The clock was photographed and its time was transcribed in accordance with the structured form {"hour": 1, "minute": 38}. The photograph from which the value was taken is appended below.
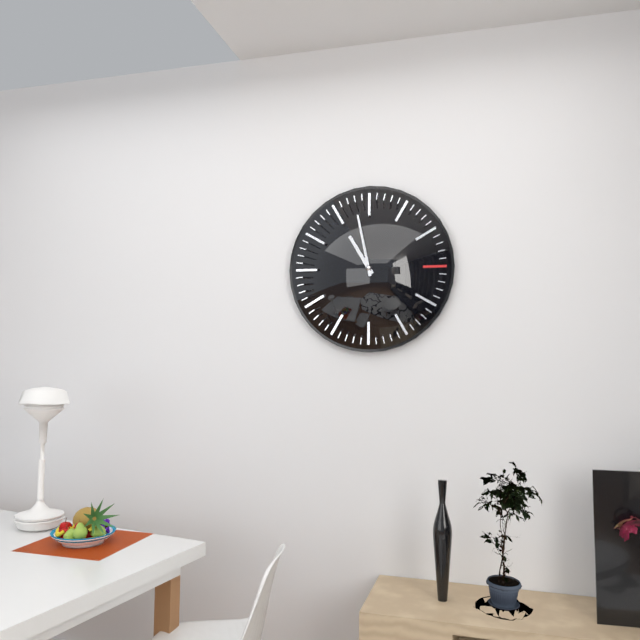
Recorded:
{"hour": 10, "minute": 58}
